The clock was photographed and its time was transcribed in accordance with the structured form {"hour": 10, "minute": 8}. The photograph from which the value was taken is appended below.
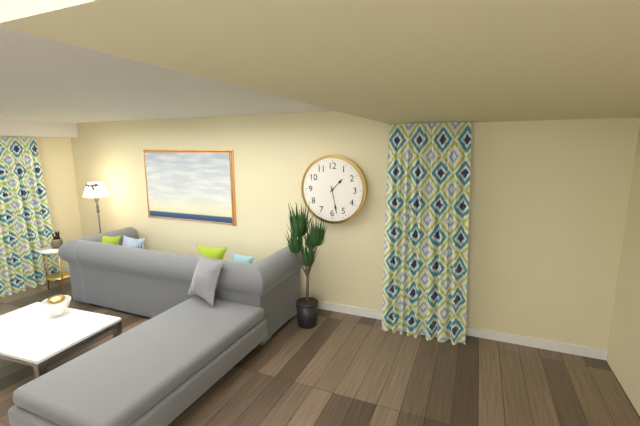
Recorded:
{"hour": 1, "minute": 28}
